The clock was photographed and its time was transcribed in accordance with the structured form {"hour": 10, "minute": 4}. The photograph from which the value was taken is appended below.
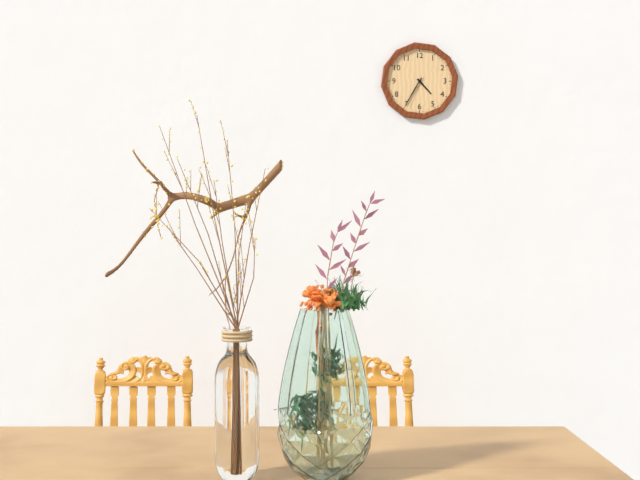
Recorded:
{"hour": 4, "minute": 35}
